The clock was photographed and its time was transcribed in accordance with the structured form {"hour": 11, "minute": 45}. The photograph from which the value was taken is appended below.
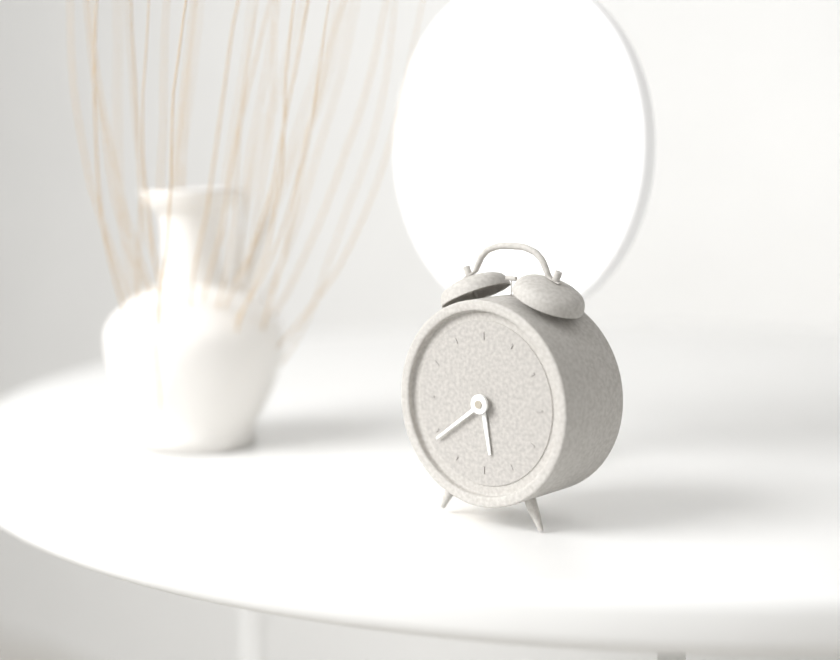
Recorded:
{"hour": 5, "minute": 39}
